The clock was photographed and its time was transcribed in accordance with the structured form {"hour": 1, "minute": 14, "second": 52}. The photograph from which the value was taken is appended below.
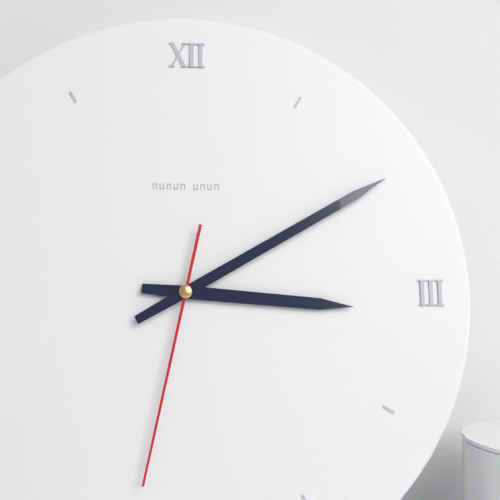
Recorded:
{"hour": 3, "minute": 10, "second": 32}
